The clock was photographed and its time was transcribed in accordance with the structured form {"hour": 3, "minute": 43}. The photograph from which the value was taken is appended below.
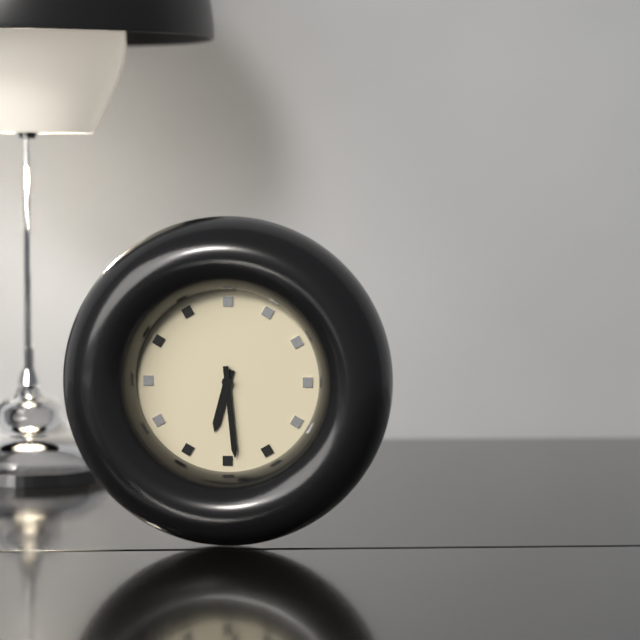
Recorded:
{"hour": 6, "minute": 29}
